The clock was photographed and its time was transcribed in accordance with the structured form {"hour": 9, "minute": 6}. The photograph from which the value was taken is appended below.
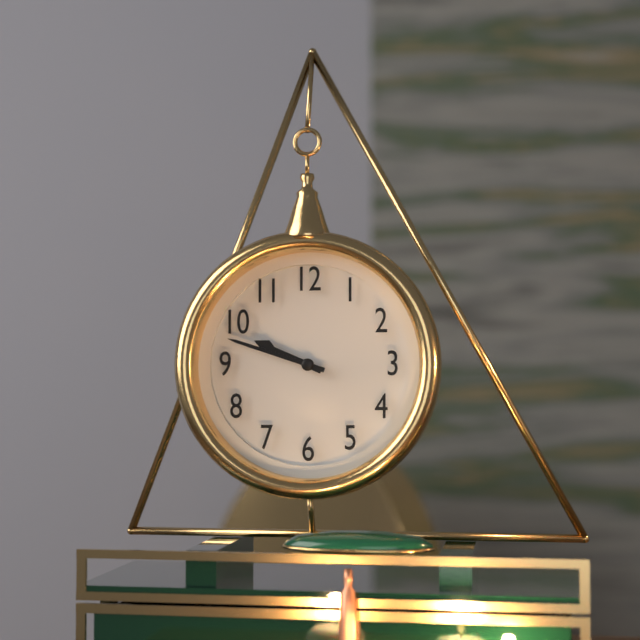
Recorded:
{"hour": 9, "minute": 48}
